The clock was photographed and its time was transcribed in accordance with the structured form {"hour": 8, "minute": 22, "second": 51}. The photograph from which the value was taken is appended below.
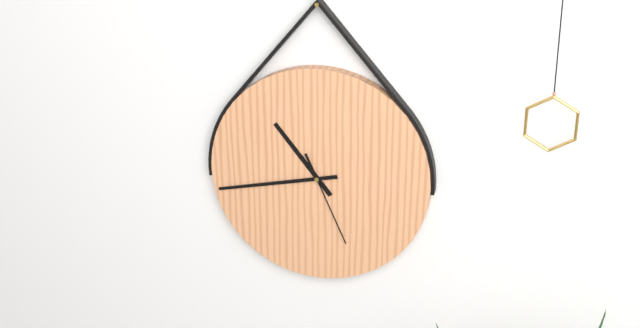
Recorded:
{"hour": 10, "minute": 43, "second": 26}
